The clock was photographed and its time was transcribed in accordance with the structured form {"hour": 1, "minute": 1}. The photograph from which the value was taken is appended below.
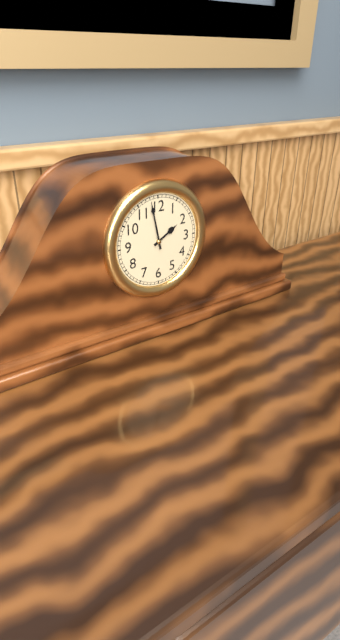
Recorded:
{"hour": 1, "minute": 58}
